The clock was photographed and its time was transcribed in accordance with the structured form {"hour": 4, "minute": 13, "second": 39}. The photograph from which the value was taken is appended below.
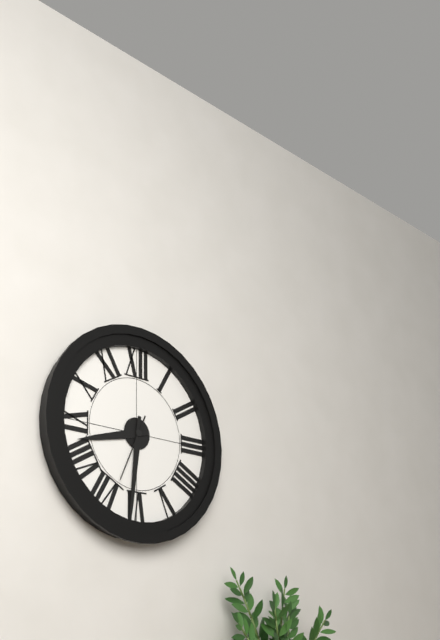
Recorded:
{"hour": 8, "minute": 31, "second": 34}
